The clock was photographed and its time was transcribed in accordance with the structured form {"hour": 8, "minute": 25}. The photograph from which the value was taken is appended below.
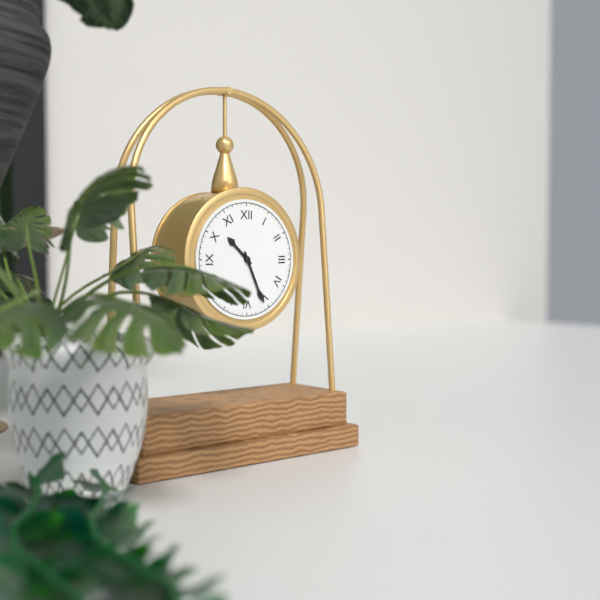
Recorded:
{"hour": 10, "minute": 26}
